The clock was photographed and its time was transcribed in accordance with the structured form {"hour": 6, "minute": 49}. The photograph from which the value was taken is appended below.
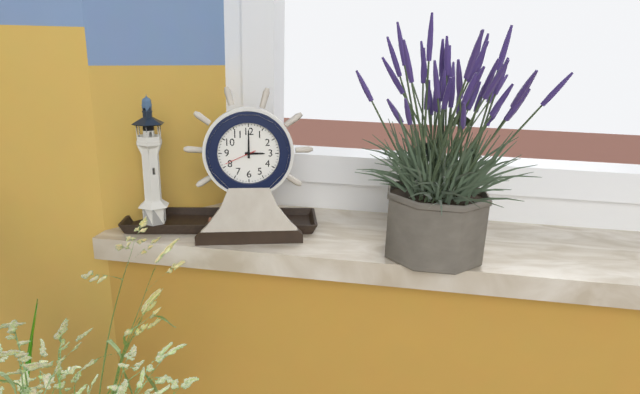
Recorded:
{"hour": 3, "minute": 0}
